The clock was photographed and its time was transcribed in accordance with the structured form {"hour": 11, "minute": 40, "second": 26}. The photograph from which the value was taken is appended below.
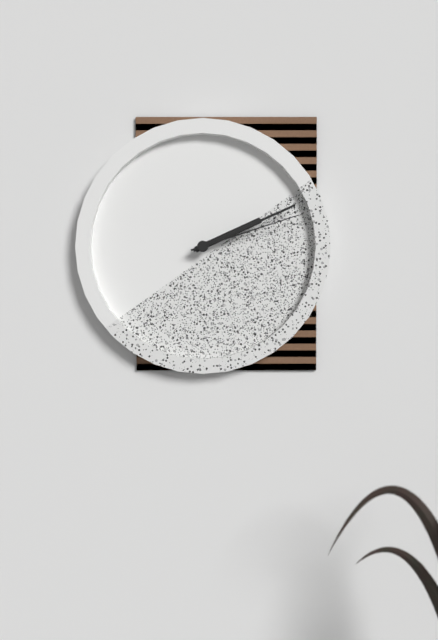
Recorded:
{"hour": 2, "minute": 11, "second": 12}
